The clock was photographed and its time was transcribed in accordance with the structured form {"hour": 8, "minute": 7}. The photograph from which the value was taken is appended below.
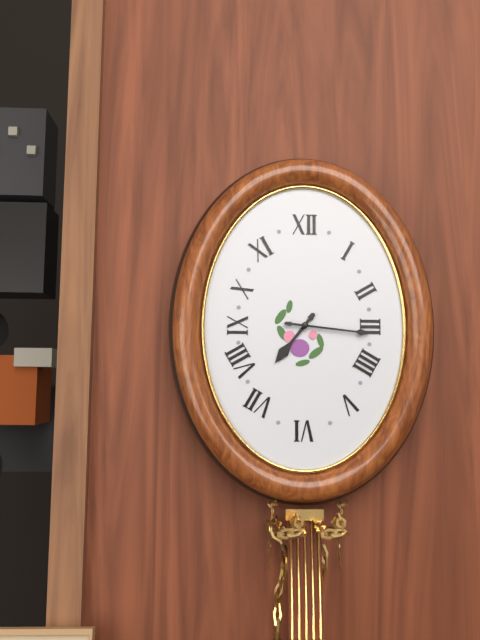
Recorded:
{"hour": 7, "minute": 16}
